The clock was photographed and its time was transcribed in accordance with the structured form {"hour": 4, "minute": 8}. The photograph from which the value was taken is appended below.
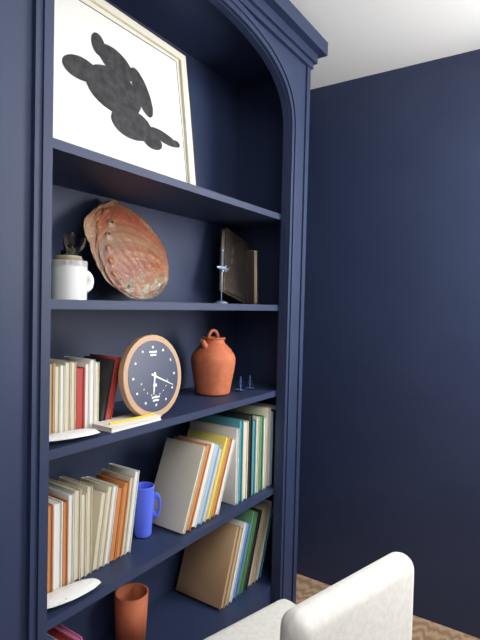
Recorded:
{"hour": 6, "minute": 19}
